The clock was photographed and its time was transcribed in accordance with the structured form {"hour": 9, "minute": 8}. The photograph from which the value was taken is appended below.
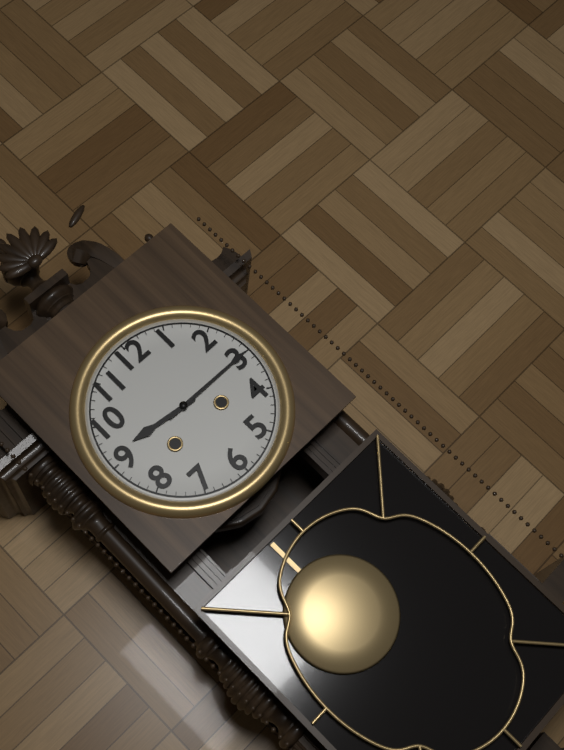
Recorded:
{"hour": 9, "minute": 15}
